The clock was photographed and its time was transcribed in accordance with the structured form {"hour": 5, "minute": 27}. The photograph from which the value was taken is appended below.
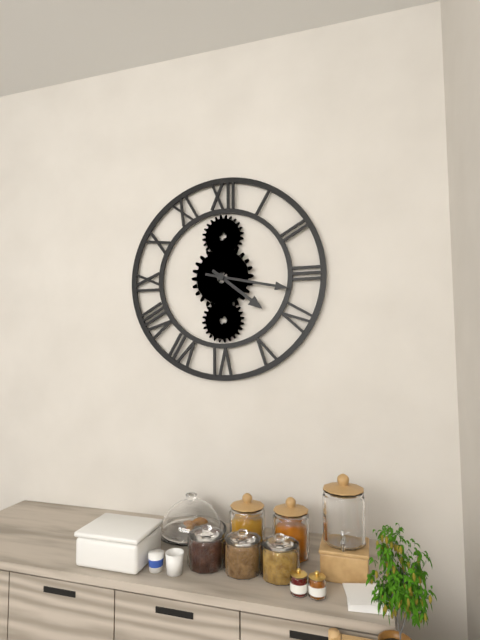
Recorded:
{"hour": 4, "minute": 17}
